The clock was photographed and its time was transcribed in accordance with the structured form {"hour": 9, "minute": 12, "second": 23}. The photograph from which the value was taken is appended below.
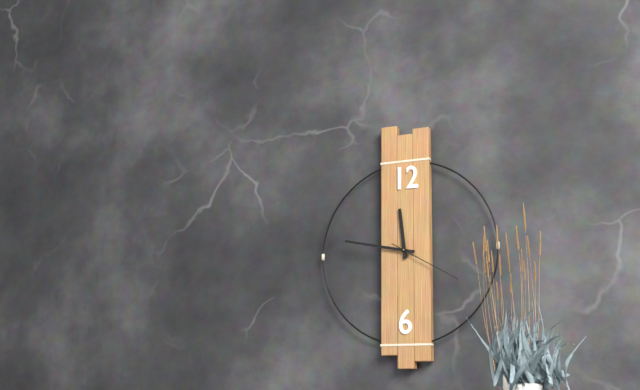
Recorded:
{"hour": 11, "minute": 47, "second": 20}
